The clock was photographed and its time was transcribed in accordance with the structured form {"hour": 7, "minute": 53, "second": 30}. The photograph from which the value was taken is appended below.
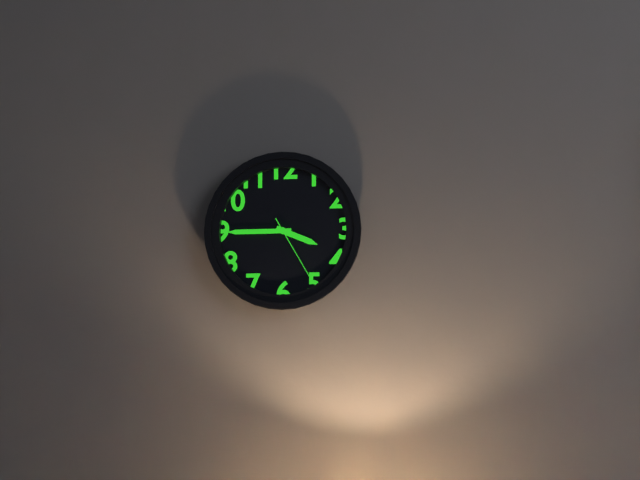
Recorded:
{"hour": 3, "minute": 45, "second": 25}
